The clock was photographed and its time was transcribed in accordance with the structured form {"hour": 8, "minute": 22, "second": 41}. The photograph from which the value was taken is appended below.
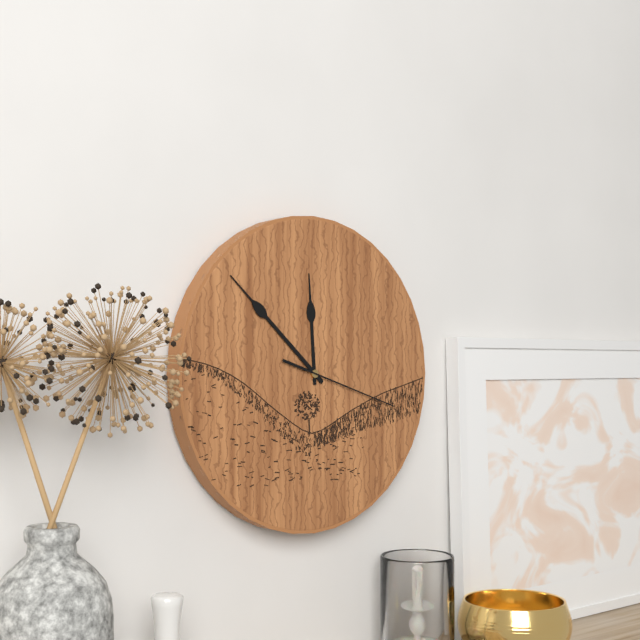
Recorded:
{"hour": 11, "minute": 52, "second": 18}
